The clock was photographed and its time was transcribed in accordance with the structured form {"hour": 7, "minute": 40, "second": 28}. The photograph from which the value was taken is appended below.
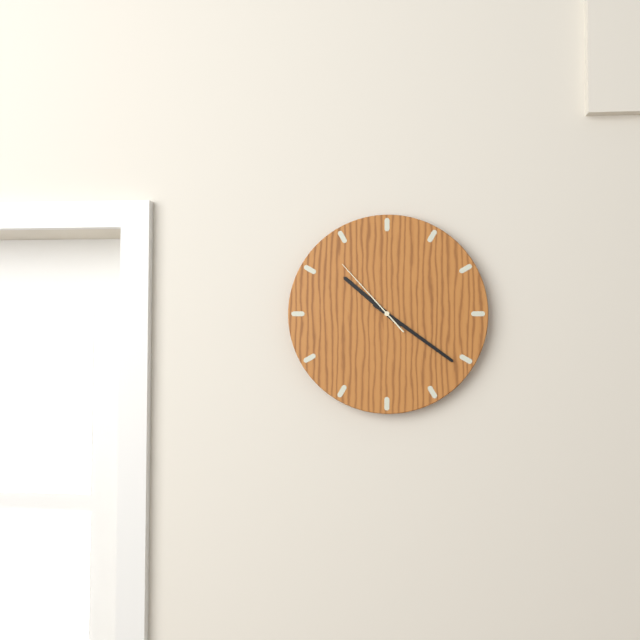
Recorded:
{"hour": 10, "minute": 21, "second": 53}
